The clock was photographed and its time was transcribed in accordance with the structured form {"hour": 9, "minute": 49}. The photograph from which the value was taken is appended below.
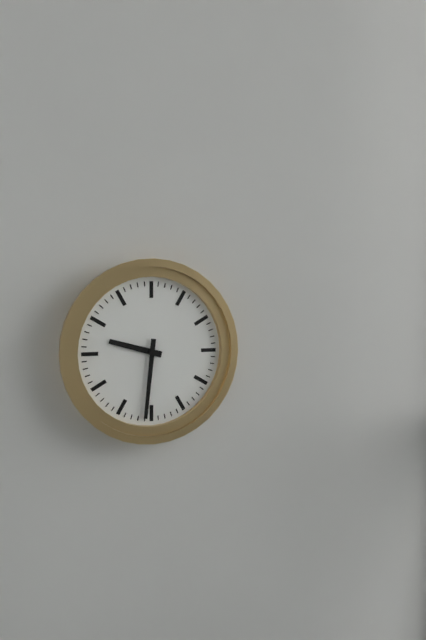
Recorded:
{"hour": 9, "minute": 31}
